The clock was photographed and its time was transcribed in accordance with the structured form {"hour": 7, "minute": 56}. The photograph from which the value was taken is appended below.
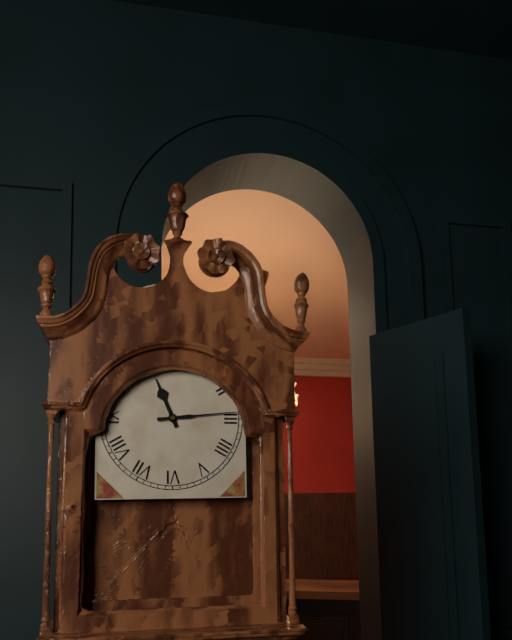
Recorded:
{"hour": 11, "minute": 14}
